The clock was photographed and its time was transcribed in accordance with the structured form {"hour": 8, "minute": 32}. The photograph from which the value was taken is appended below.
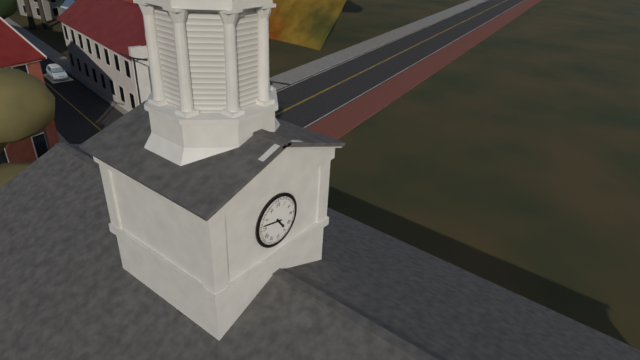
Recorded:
{"hour": 4, "minute": 47}
